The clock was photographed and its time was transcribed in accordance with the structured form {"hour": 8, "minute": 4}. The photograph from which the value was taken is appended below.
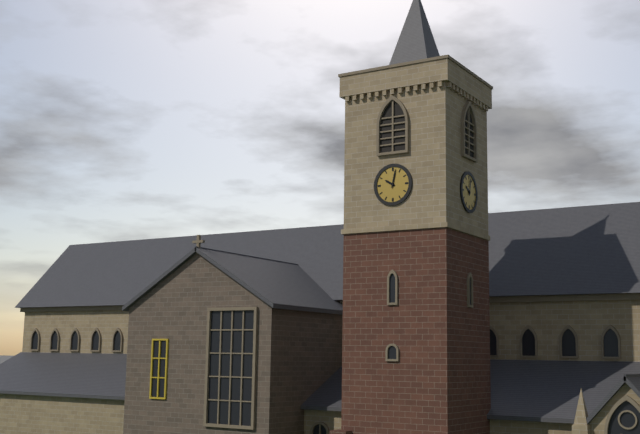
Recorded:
{"hour": 10, "minute": 2}
